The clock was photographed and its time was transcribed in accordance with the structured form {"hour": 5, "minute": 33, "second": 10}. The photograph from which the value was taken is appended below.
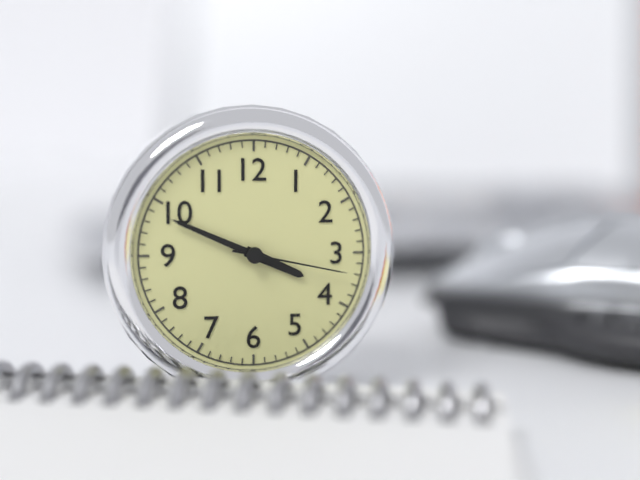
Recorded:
{"hour": 3, "minute": 49, "second": 17}
